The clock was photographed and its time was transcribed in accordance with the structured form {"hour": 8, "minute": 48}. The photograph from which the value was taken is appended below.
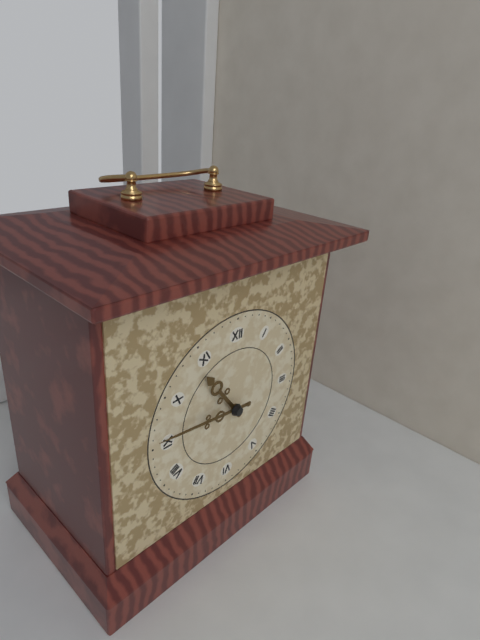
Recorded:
{"hour": 10, "minute": 46}
